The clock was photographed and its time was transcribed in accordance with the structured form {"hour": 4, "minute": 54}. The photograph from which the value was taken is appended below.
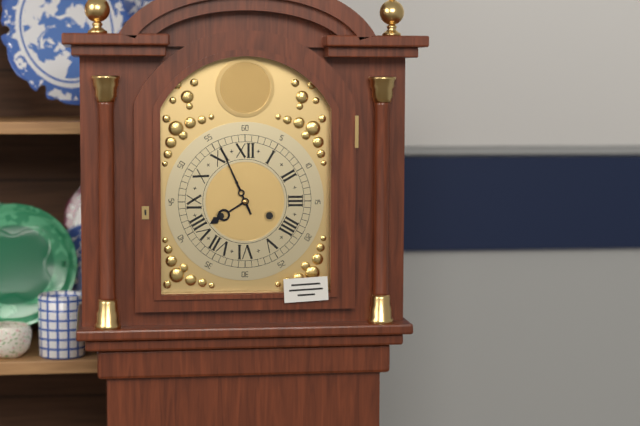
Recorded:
{"hour": 7, "minute": 56}
